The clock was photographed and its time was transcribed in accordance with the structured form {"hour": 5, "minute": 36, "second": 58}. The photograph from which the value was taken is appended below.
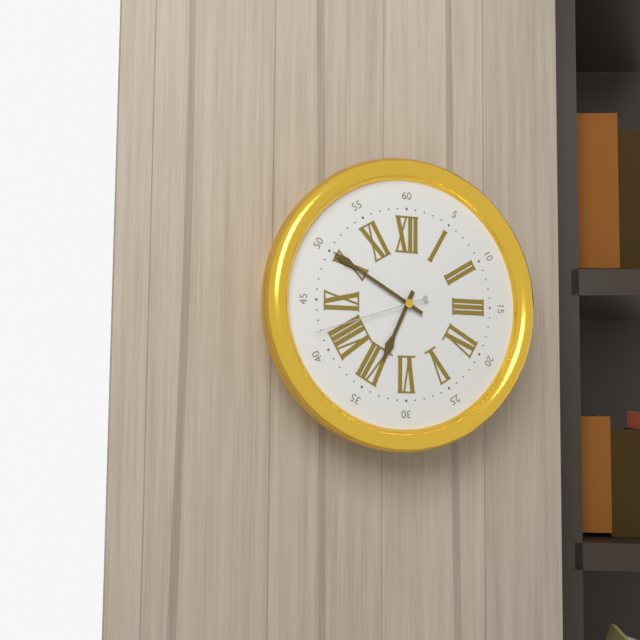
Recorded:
{"hour": 6, "minute": 50, "second": 42}
